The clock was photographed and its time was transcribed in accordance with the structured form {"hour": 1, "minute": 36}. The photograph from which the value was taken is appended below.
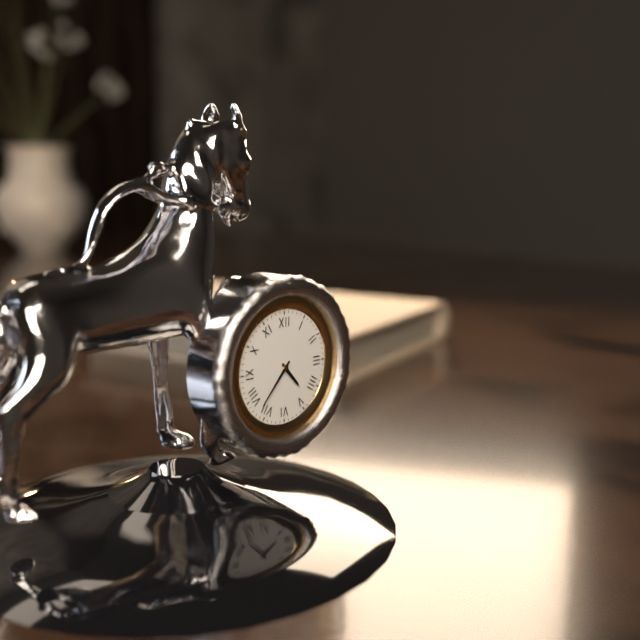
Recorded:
{"hour": 4, "minute": 37}
